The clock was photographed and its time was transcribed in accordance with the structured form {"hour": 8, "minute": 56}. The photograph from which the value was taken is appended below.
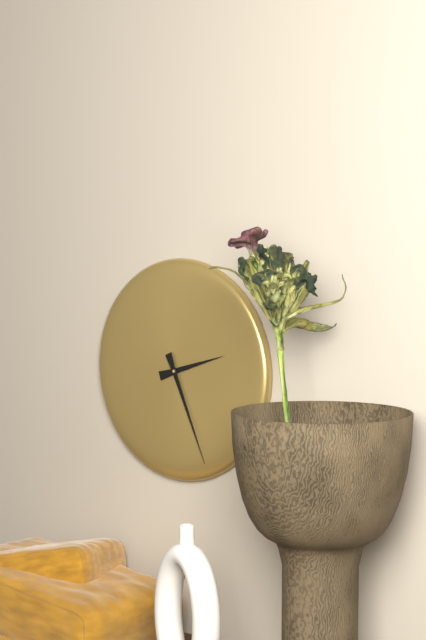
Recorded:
{"hour": 2, "minute": 26}
